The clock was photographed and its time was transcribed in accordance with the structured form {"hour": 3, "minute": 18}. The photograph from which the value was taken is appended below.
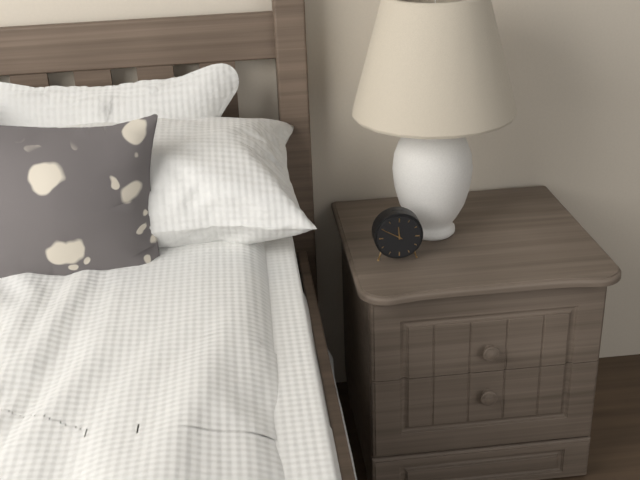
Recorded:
{"hour": 11, "minute": 50}
